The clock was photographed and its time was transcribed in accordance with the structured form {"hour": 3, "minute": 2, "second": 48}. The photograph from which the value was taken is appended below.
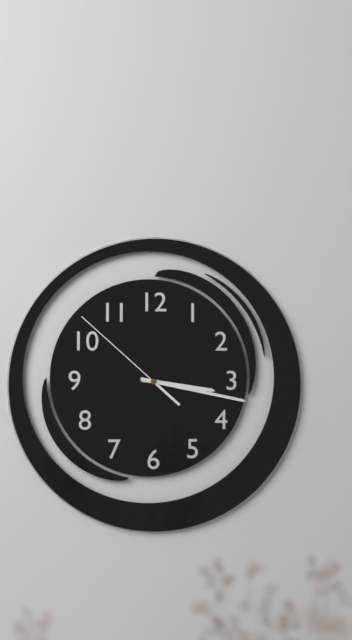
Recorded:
{"hour": 3, "minute": 17, "second": 52}
